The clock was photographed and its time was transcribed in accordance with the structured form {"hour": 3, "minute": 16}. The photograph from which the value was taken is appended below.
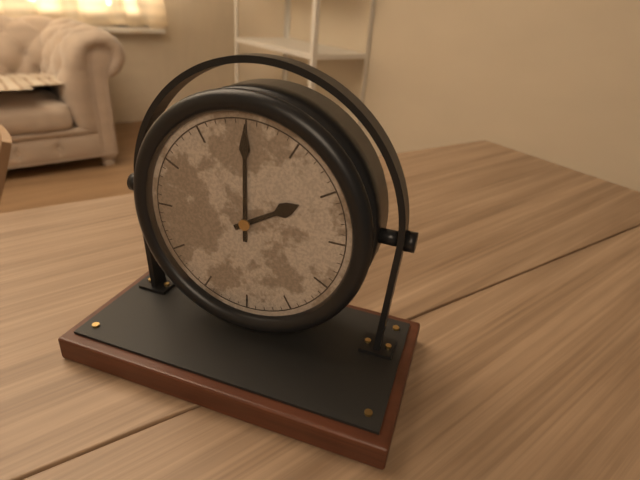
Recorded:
{"hour": 2, "minute": 0}
